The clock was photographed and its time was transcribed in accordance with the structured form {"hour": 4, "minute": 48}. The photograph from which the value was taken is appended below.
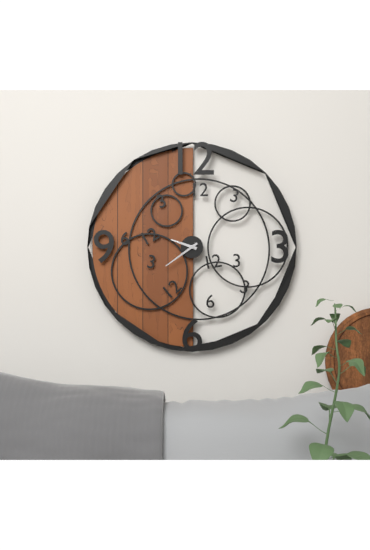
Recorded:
{"hour": 9, "minute": 39}
